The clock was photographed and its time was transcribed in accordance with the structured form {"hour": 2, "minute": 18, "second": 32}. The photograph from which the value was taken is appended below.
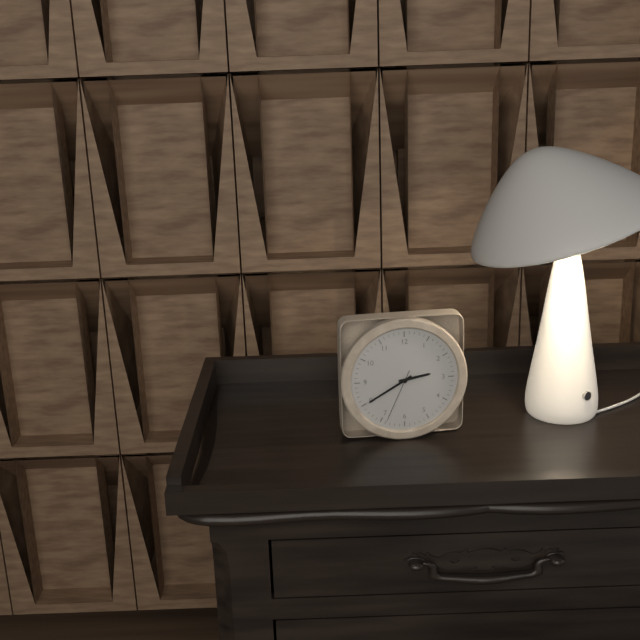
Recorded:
{"hour": 2, "minute": 40, "second": 34}
